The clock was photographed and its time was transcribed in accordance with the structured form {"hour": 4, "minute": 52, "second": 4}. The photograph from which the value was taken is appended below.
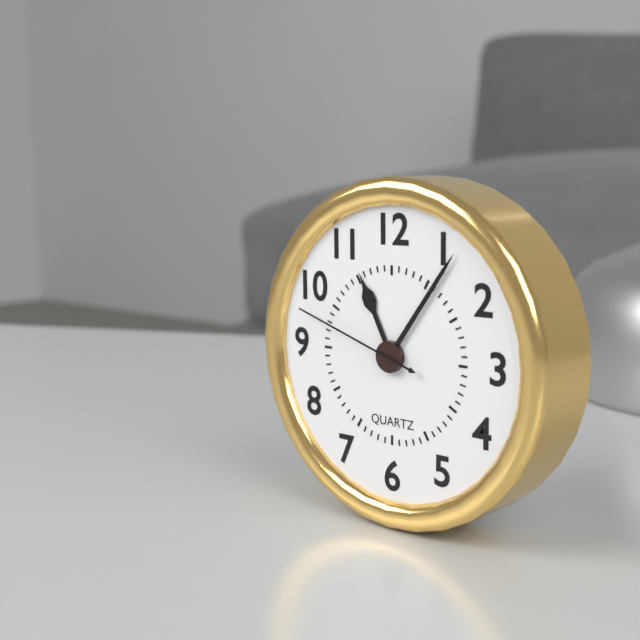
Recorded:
{"hour": 11, "minute": 6, "second": 48}
